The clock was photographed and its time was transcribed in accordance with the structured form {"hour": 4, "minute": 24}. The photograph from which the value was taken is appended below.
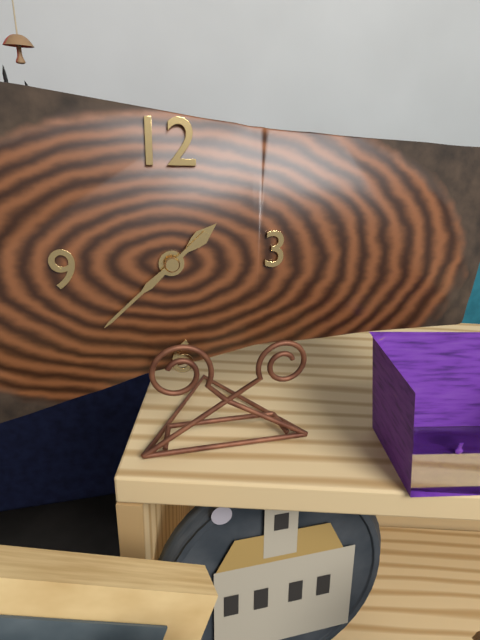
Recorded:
{"hour": 1, "minute": 38}
